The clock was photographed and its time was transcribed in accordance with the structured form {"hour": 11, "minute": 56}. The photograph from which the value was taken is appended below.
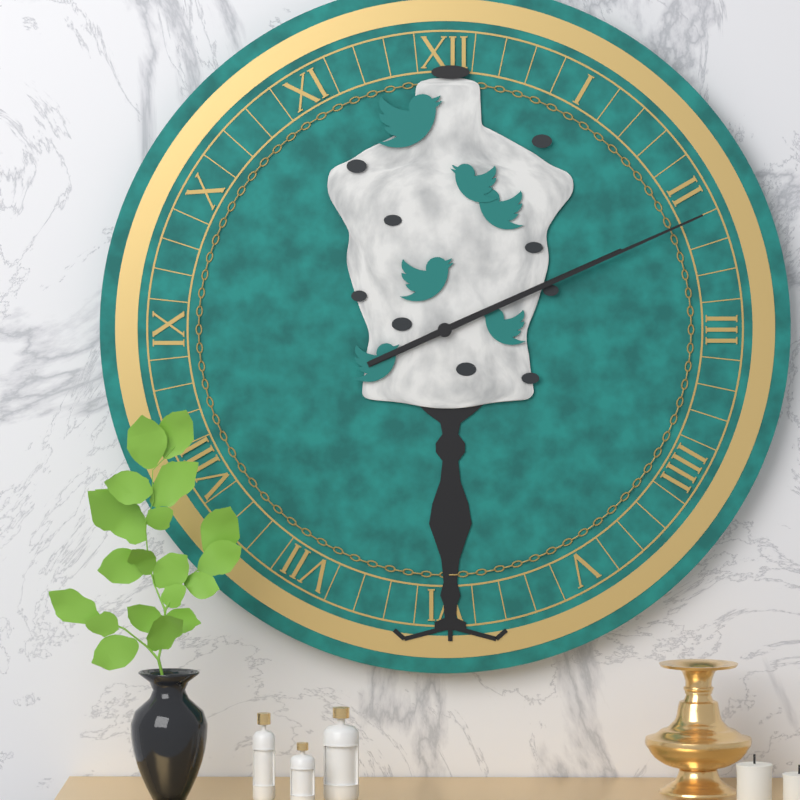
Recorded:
{"hour": 2, "minute": 11}
